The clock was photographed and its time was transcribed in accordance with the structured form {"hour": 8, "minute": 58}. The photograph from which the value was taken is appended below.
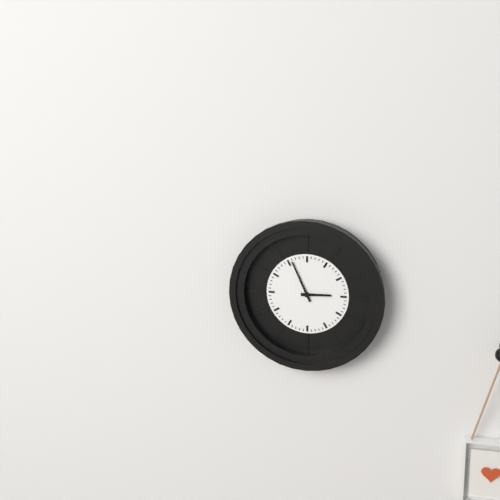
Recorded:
{"hour": 2, "minute": 56}
